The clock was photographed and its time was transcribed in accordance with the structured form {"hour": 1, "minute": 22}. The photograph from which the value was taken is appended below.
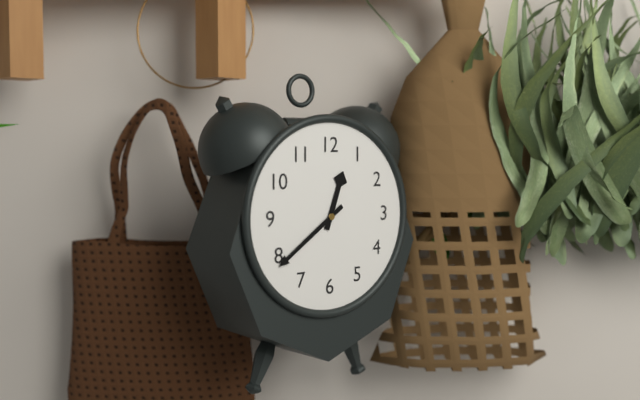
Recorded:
{"hour": 12, "minute": 39}
